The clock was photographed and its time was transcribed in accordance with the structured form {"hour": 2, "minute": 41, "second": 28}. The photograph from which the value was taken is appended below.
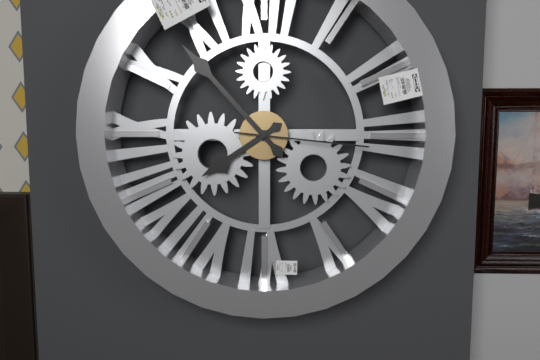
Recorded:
{"hour": 7, "minute": 53, "second": 16}
